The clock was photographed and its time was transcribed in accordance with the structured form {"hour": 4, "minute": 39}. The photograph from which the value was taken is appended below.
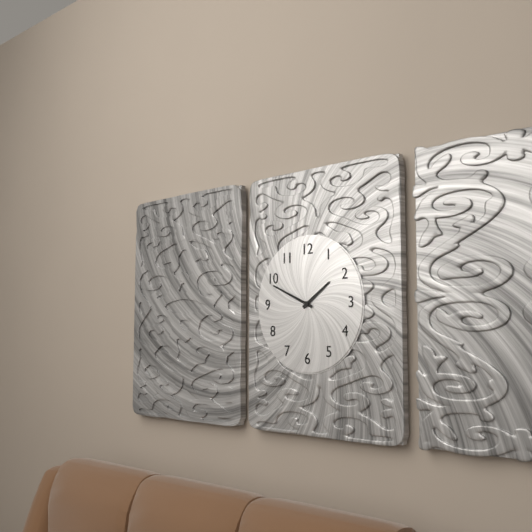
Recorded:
{"hour": 1, "minute": 49}
